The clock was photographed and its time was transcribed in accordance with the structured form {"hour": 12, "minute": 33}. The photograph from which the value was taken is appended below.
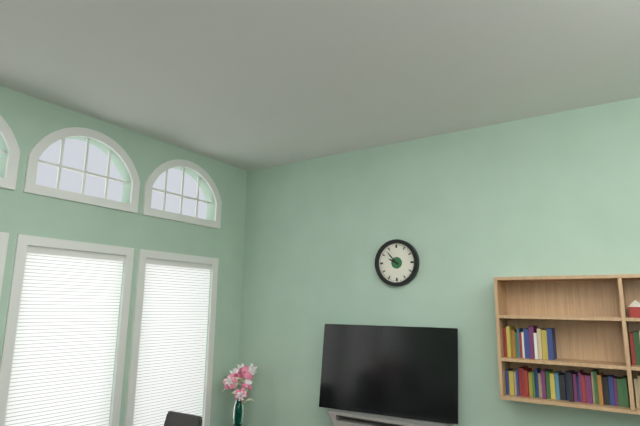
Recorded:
{"hour": 9, "minute": 53}
